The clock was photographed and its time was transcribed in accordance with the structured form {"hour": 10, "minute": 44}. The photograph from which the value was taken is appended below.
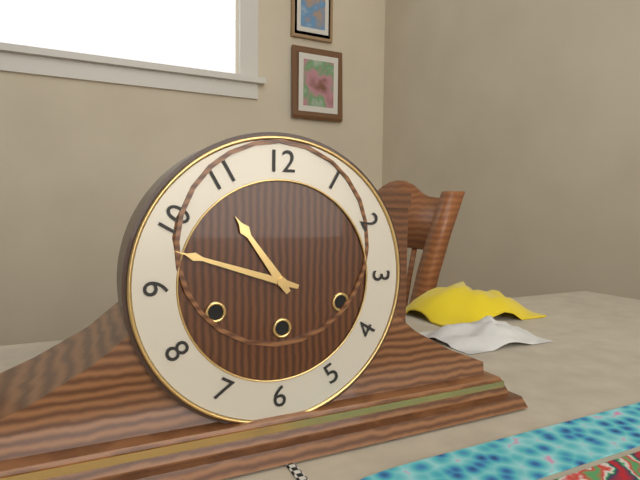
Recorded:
{"hour": 10, "minute": 48}
